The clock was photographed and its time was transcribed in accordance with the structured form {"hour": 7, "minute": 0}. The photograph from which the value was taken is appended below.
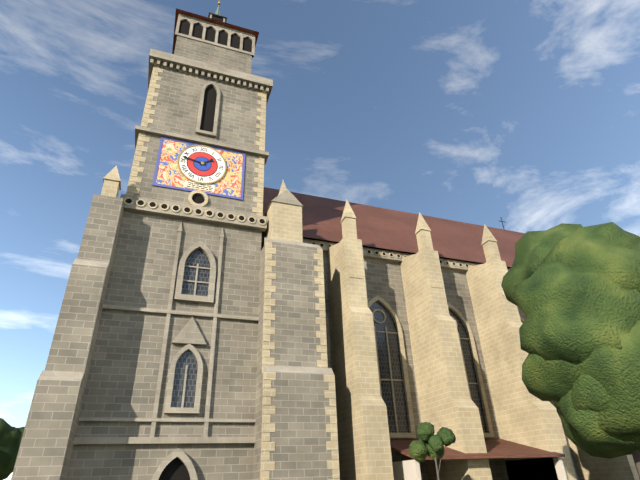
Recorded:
{"hour": 1, "minute": 47}
